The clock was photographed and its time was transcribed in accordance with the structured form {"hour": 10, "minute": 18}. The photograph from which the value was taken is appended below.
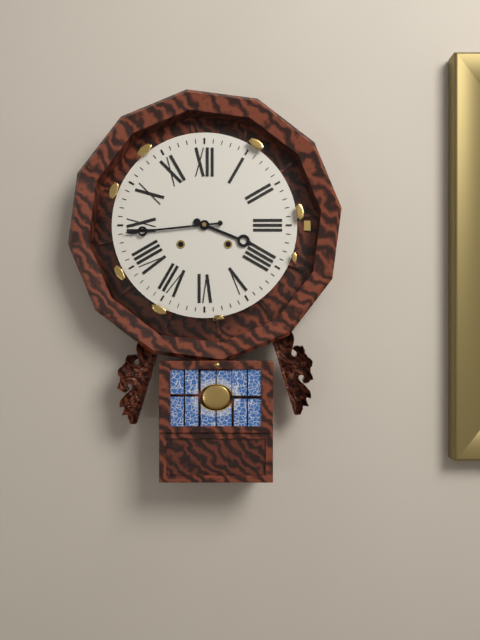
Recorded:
{"hour": 3, "minute": 44}
